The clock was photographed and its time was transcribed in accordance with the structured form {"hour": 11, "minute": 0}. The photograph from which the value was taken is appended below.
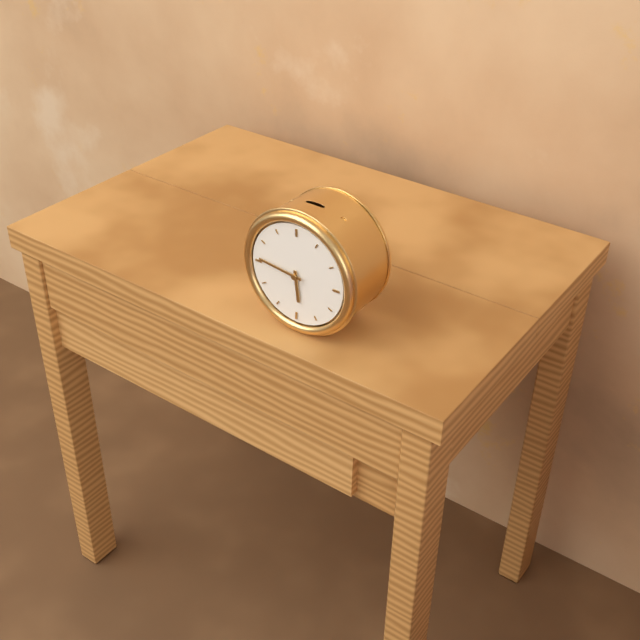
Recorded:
{"hour": 5, "minute": 46}
